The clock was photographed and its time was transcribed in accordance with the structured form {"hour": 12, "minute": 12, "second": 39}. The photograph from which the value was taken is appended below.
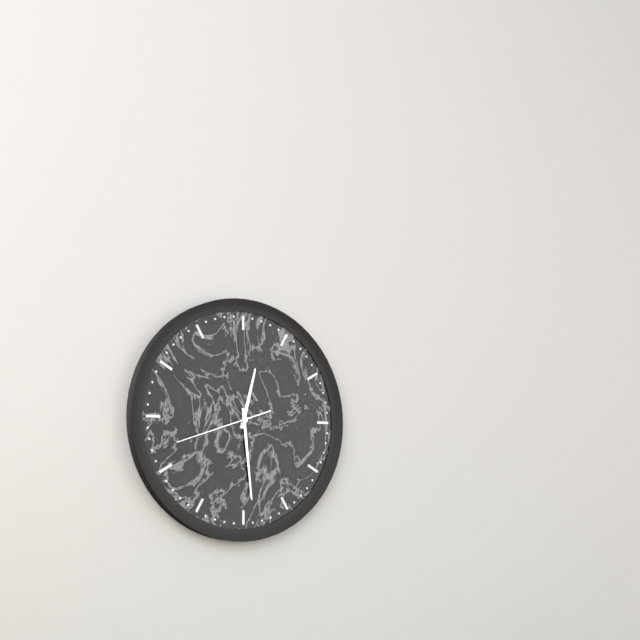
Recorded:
{"hour": 12, "minute": 29, "second": 42}
